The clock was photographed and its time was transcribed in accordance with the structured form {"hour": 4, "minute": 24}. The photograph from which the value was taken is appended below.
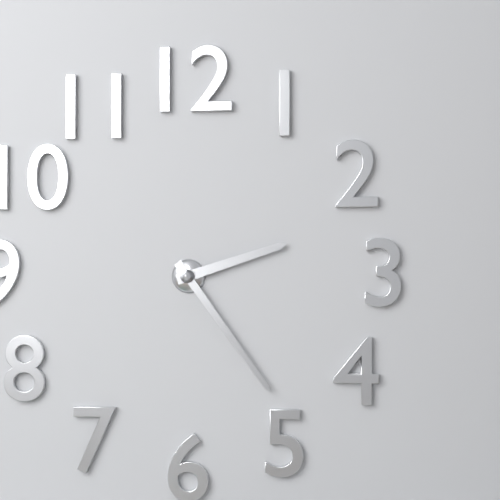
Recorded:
{"hour": 2, "minute": 24}
